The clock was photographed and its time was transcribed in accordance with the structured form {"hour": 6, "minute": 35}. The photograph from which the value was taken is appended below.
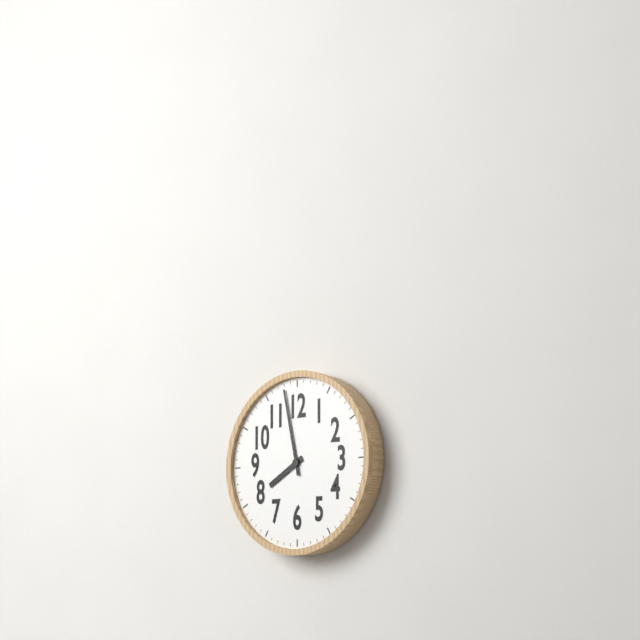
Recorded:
{"hour": 7, "minute": 58}
